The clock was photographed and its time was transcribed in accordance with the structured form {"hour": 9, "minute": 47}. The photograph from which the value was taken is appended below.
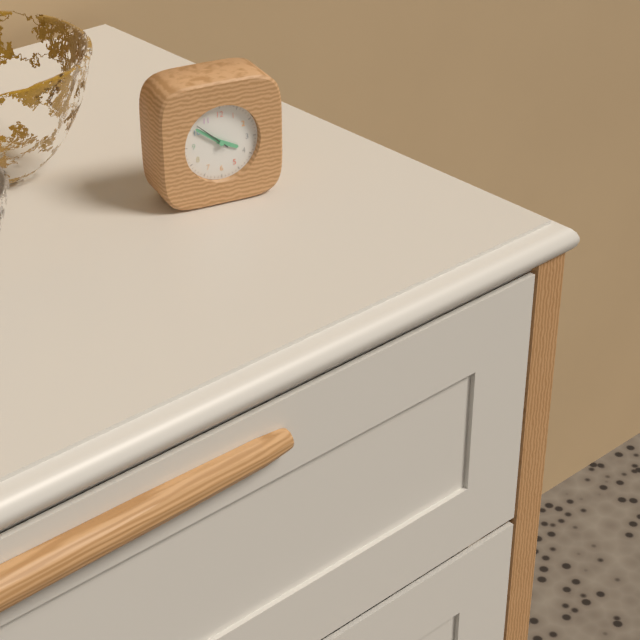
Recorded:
{"hour": 3, "minute": 51}
